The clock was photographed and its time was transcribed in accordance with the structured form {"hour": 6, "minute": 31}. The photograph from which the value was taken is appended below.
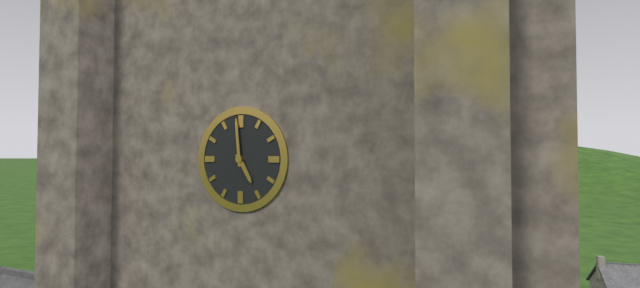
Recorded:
{"hour": 4, "minute": 59}
